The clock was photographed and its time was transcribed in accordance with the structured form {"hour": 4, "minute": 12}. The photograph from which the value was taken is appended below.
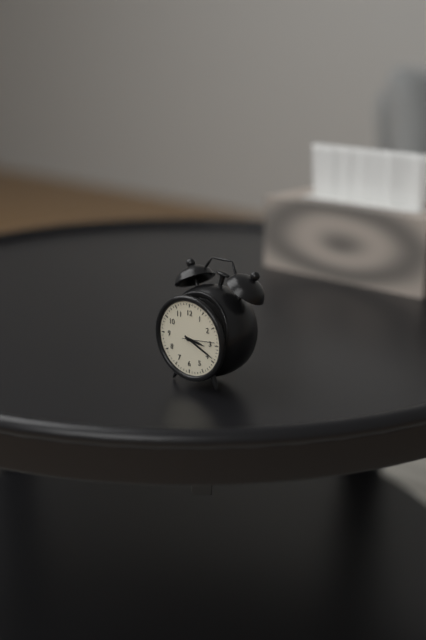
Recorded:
{"hour": 3, "minute": 19}
